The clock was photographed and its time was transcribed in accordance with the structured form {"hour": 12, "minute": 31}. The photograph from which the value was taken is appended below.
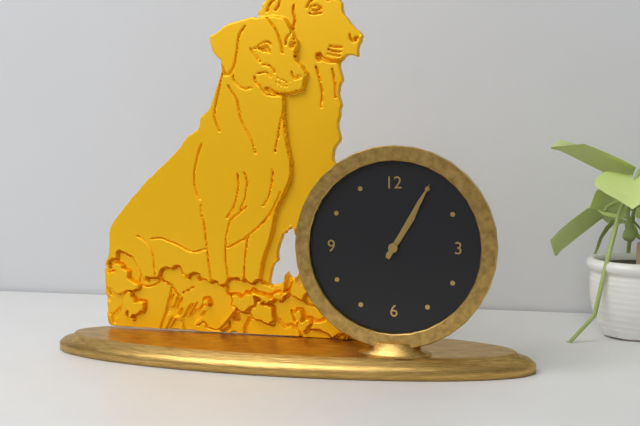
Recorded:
{"hour": 1, "minute": 5}
